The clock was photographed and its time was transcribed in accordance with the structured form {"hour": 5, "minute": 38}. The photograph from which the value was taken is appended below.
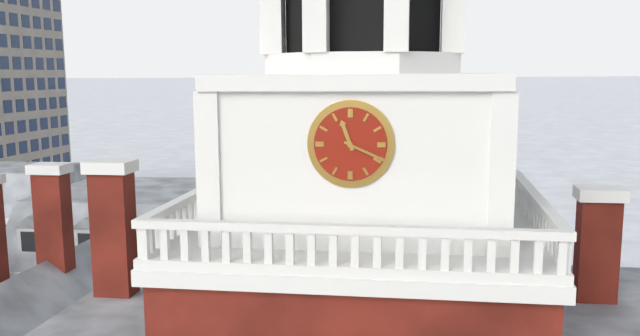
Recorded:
{"hour": 11, "minute": 19}
